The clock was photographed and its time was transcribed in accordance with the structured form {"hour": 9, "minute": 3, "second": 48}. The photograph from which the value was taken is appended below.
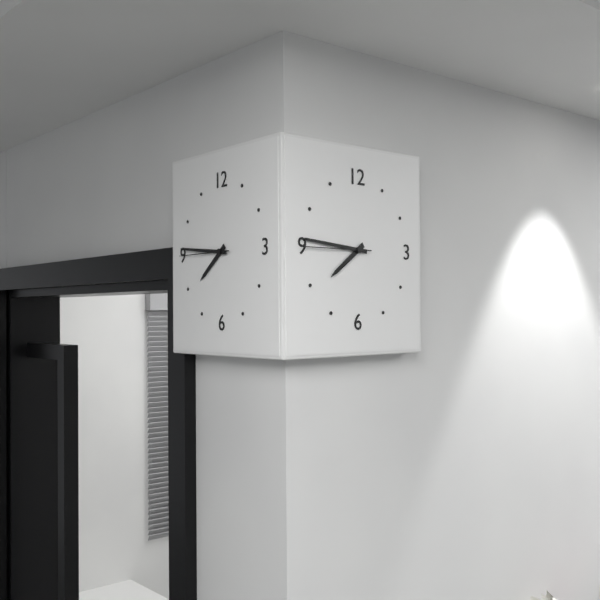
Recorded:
{"hour": 7, "minute": 46, "second": 45}
